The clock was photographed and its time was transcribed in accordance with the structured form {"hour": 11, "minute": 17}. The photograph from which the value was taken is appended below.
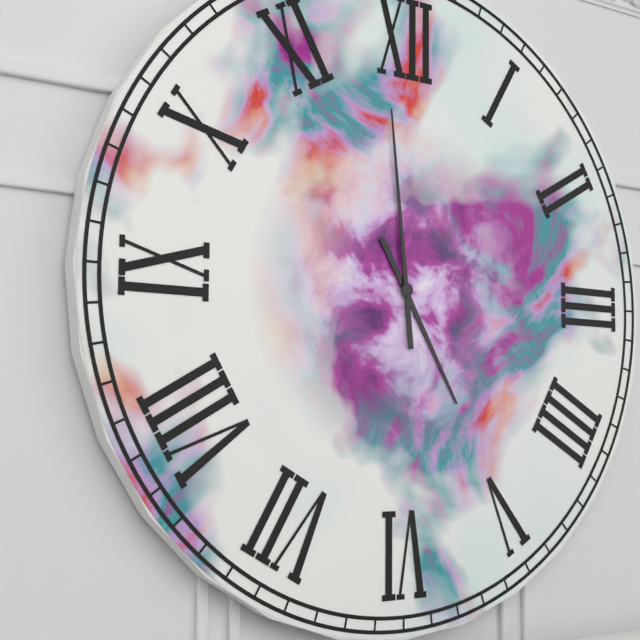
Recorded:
{"hour": 4, "minute": 59}
